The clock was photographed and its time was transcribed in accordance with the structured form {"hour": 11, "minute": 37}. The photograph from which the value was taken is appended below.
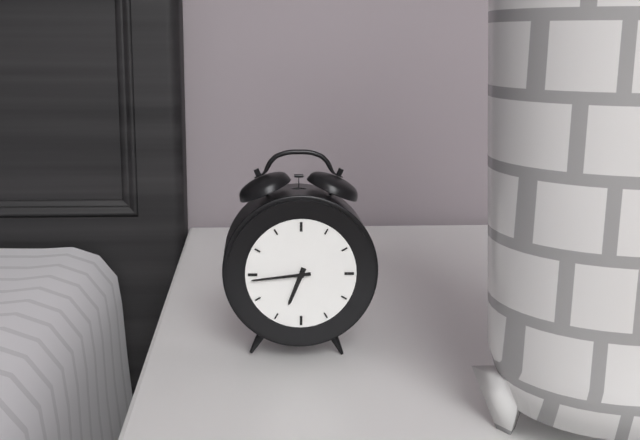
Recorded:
{"hour": 6, "minute": 44}
